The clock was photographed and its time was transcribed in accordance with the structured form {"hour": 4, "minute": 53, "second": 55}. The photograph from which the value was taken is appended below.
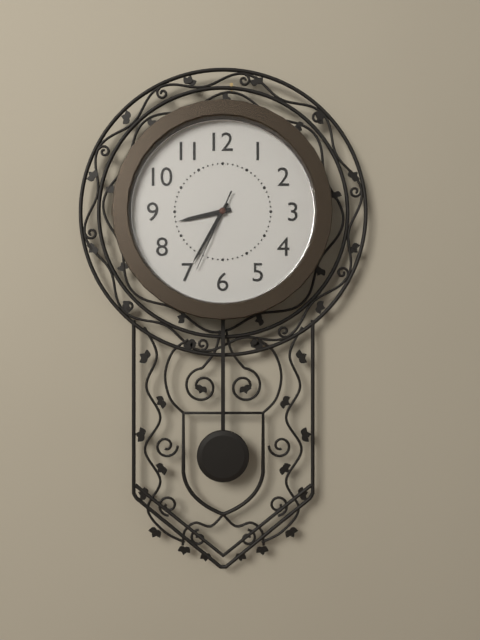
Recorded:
{"hour": 8, "minute": 35, "second": 34}
